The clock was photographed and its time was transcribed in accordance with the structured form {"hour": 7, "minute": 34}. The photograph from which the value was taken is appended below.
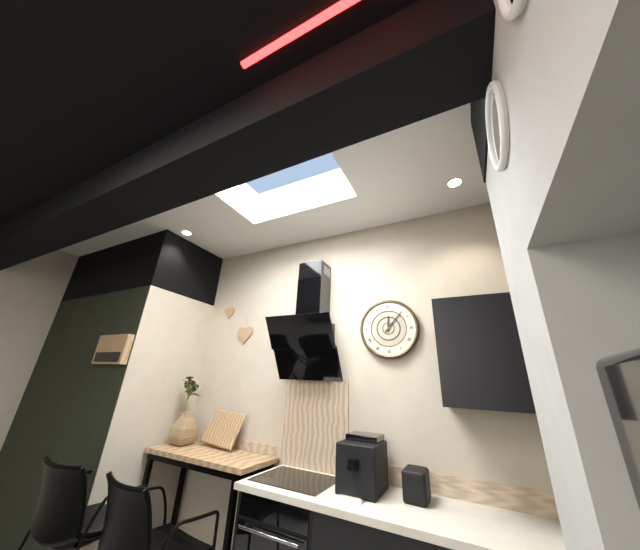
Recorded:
{"hour": 12, "minute": 7}
